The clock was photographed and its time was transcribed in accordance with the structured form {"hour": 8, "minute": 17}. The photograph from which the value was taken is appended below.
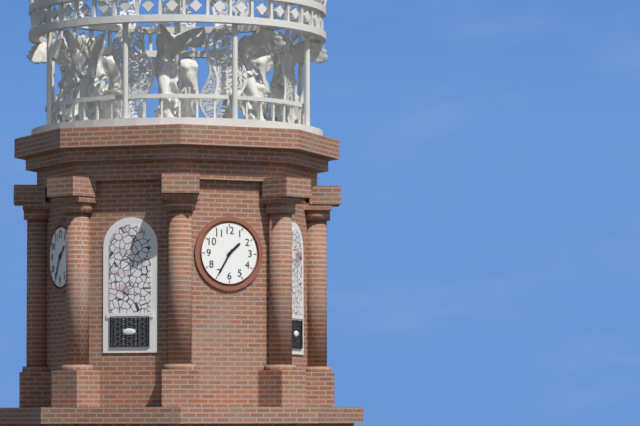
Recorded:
{"hour": 1, "minute": 35}
